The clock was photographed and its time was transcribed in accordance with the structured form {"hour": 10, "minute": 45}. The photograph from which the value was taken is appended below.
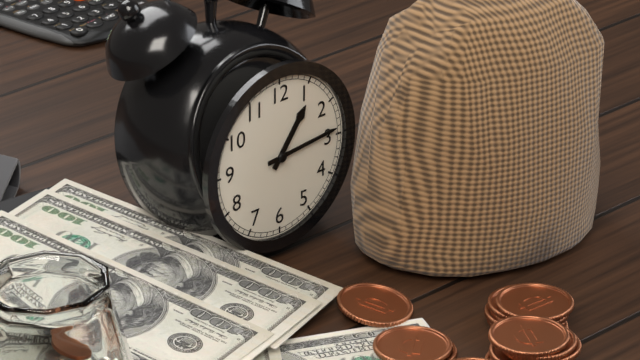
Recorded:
{"hour": 1, "minute": 14}
